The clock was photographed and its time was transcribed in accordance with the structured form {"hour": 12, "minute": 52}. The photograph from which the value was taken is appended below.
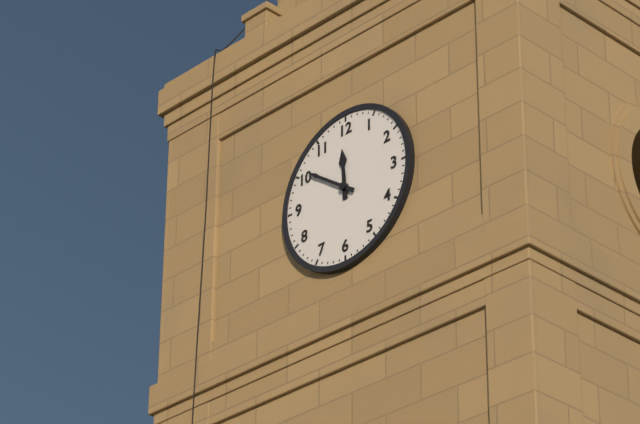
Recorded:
{"hour": 11, "minute": 51}
